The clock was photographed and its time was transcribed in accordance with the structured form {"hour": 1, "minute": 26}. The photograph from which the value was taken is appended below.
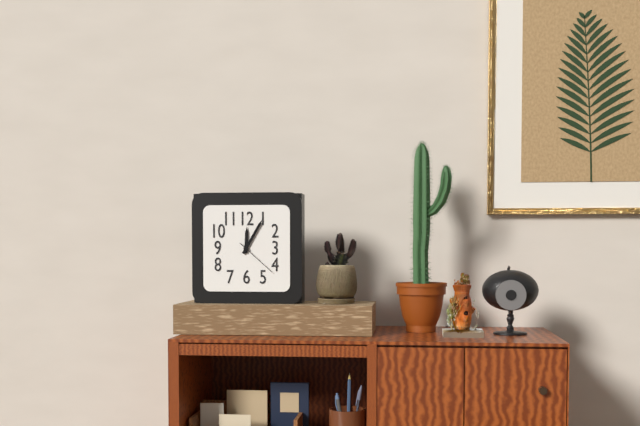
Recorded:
{"hour": 12, "minute": 5}
